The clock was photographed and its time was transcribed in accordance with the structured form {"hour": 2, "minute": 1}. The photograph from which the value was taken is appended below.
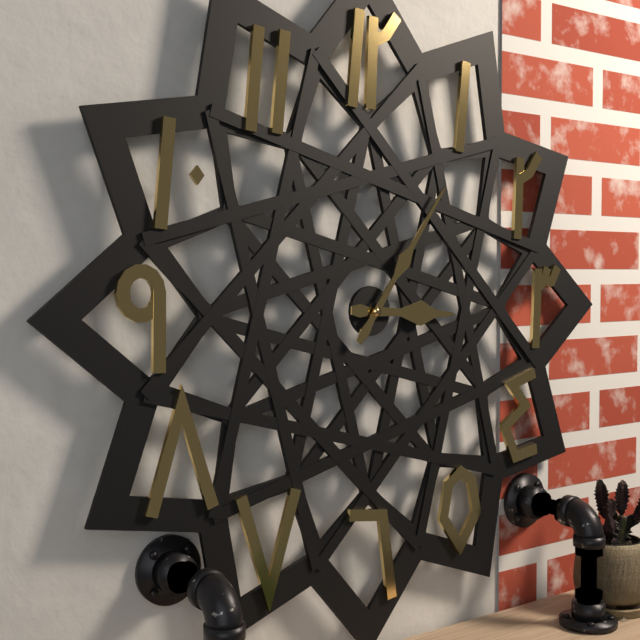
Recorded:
{"hour": 3, "minute": 6}
